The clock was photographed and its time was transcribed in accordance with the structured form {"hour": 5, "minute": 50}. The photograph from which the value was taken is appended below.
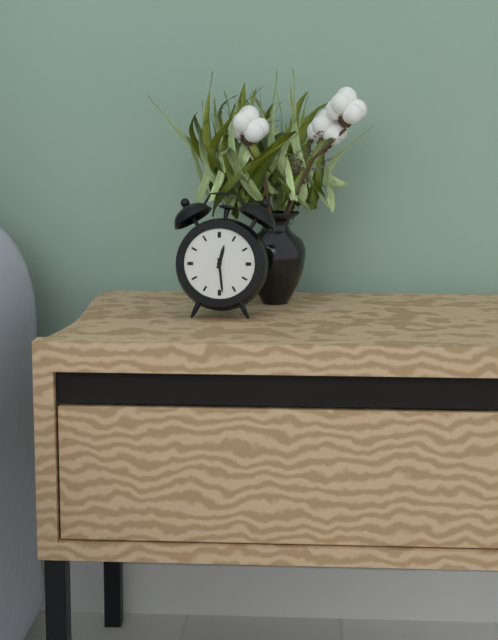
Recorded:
{"hour": 12, "minute": 29}
